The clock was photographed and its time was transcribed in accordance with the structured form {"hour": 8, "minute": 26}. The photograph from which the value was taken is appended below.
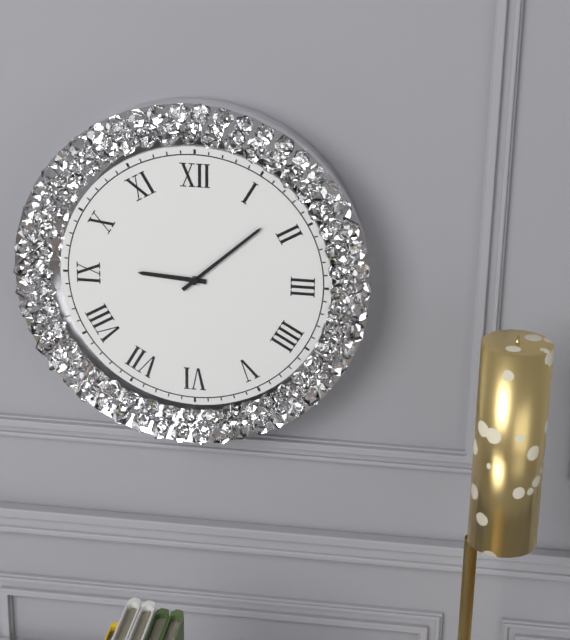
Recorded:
{"hour": 9, "minute": 8}
